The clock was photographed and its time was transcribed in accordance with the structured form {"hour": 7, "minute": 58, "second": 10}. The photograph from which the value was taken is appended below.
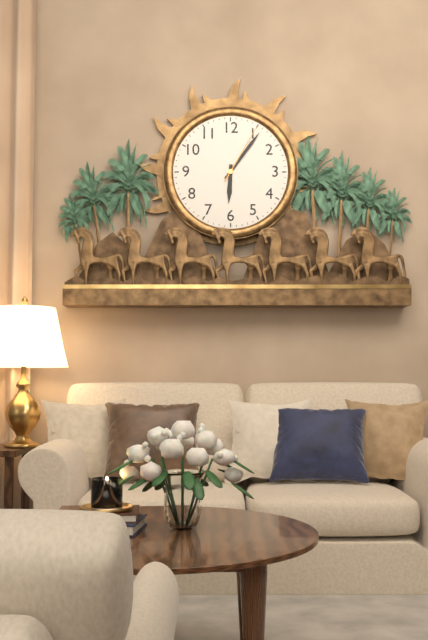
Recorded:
{"hour": 6, "minute": 6, "second": 5}
